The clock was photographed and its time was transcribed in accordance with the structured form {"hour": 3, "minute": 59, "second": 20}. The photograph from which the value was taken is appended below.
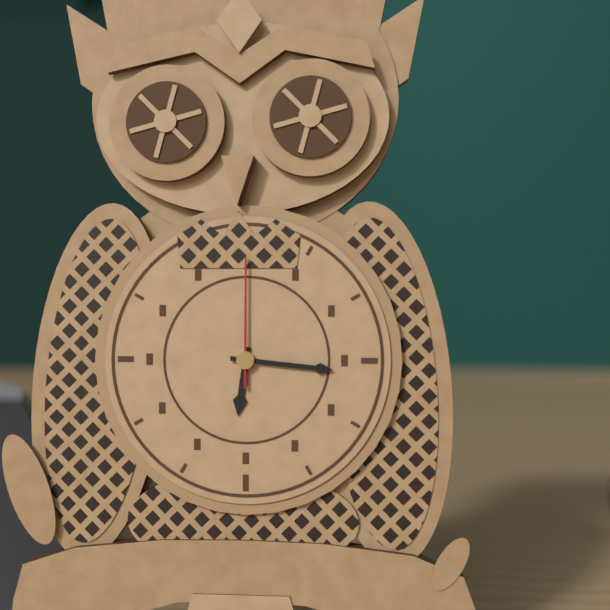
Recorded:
{"hour": 6, "minute": 16, "second": 0}
